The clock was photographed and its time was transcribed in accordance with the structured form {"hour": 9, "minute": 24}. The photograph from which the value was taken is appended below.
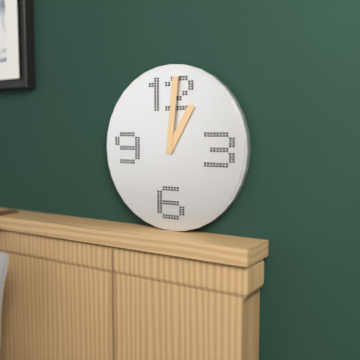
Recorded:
{"hour": 1, "minute": 1}
